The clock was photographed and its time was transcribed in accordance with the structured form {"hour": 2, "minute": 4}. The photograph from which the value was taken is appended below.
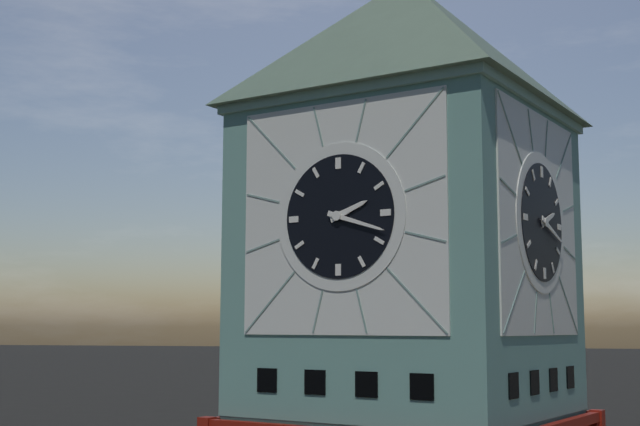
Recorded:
{"hour": 2, "minute": 18}
